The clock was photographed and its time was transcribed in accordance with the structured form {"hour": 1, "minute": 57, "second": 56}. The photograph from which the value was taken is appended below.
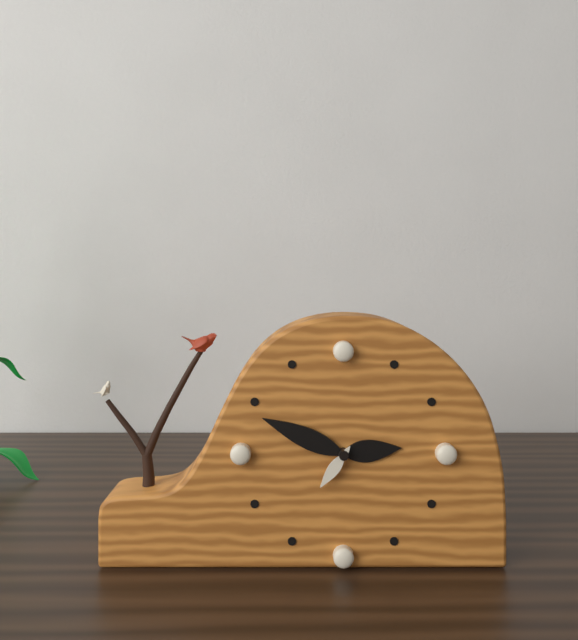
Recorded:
{"hour": 2, "minute": 49, "second": 36}
